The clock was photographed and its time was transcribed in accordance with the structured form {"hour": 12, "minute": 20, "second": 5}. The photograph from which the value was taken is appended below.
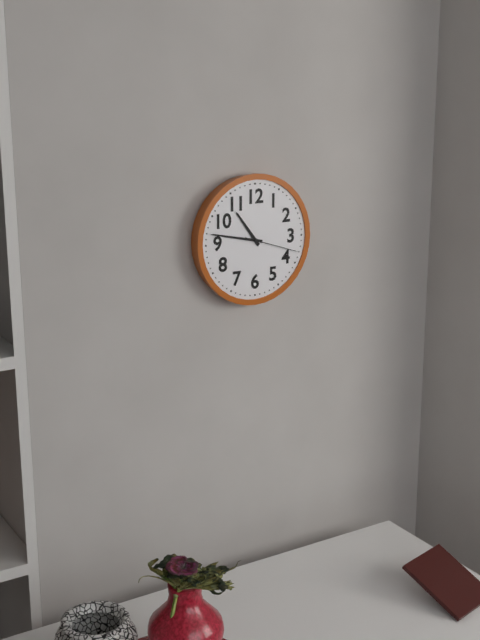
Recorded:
{"hour": 10, "minute": 47, "second": 18}
